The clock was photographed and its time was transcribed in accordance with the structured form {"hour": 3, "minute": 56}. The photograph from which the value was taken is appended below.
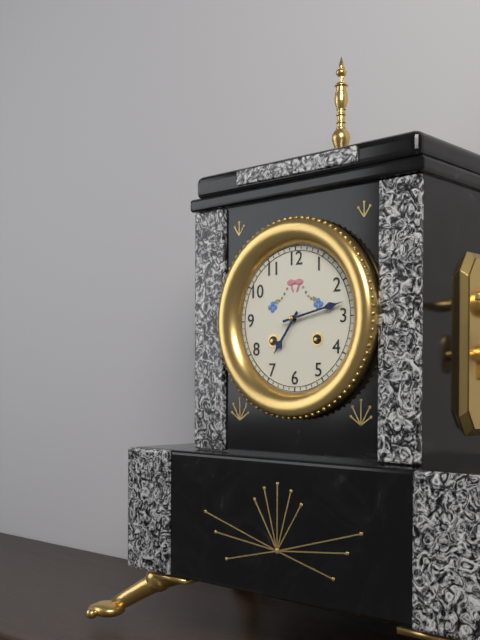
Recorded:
{"hour": 7, "minute": 13}
